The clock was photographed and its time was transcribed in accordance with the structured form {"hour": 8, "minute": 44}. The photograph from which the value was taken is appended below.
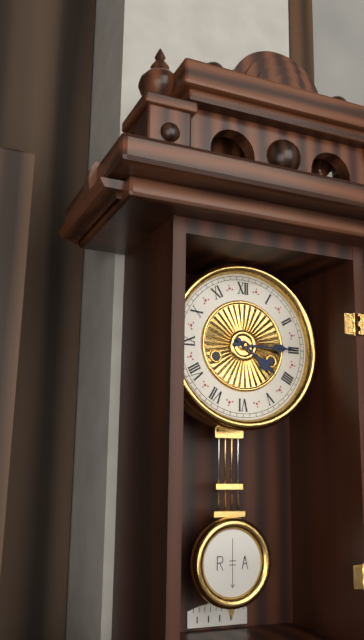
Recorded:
{"hour": 4, "minute": 15}
